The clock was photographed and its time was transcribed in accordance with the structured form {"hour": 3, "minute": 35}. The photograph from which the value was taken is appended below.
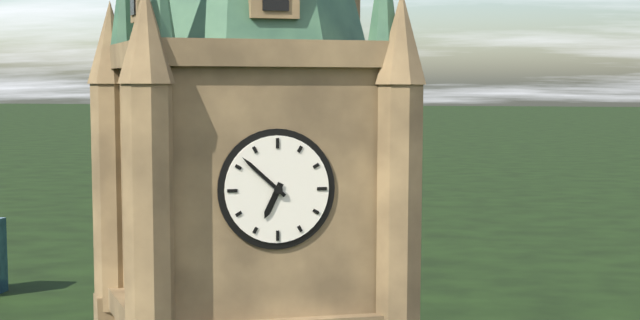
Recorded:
{"hour": 6, "minute": 52}
